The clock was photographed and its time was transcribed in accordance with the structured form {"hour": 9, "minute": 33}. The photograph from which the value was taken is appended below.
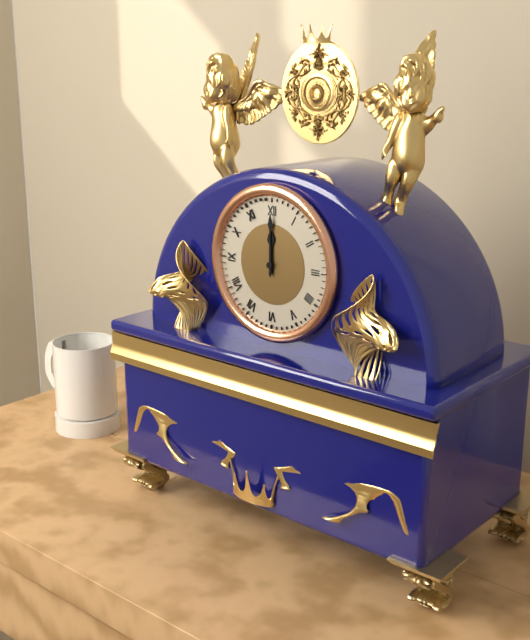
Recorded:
{"hour": 12, "minute": 0}
